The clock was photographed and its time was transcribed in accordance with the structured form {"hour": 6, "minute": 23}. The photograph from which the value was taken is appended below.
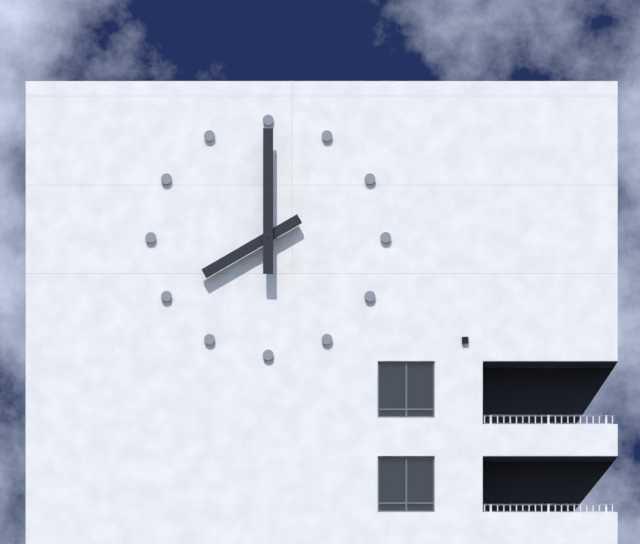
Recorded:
{"hour": 8, "minute": 0}
